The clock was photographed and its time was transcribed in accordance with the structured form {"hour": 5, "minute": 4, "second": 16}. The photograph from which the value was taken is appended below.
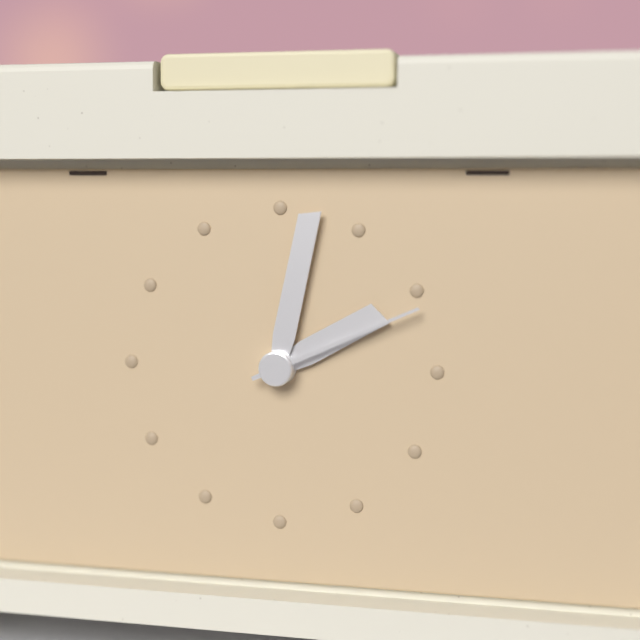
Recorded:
{"hour": 2, "minute": 2, "second": 11}
